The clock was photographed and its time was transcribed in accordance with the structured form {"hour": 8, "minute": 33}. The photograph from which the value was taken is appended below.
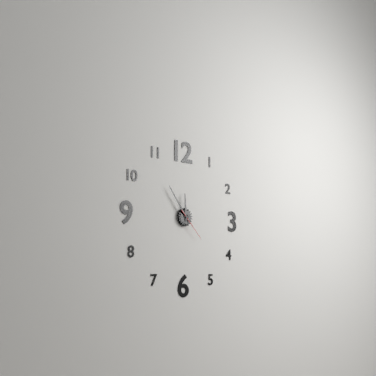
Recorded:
{"hour": 11, "minute": 54}
